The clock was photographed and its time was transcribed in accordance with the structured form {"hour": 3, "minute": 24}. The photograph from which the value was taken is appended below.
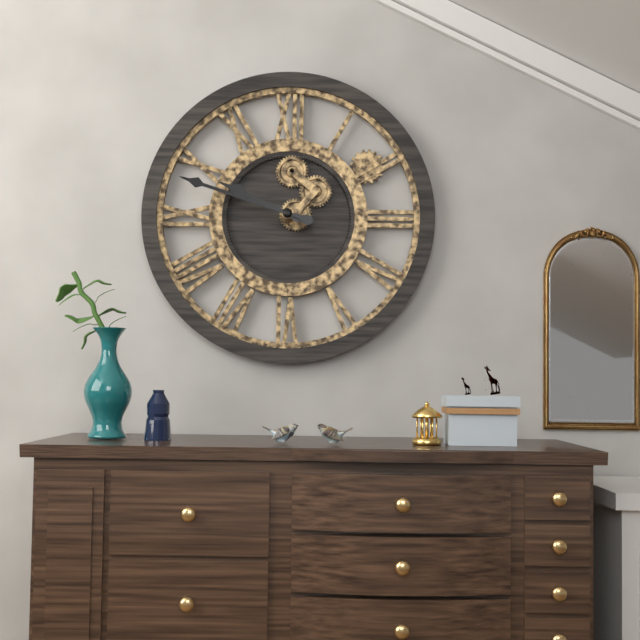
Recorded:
{"hour": 9, "minute": 48}
